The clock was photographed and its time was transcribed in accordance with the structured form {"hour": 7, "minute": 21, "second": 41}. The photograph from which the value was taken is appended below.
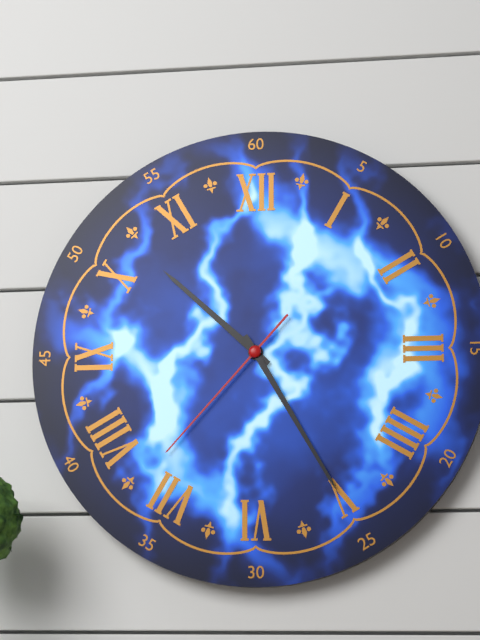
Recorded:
{"hour": 10, "minute": 25, "second": 37}
